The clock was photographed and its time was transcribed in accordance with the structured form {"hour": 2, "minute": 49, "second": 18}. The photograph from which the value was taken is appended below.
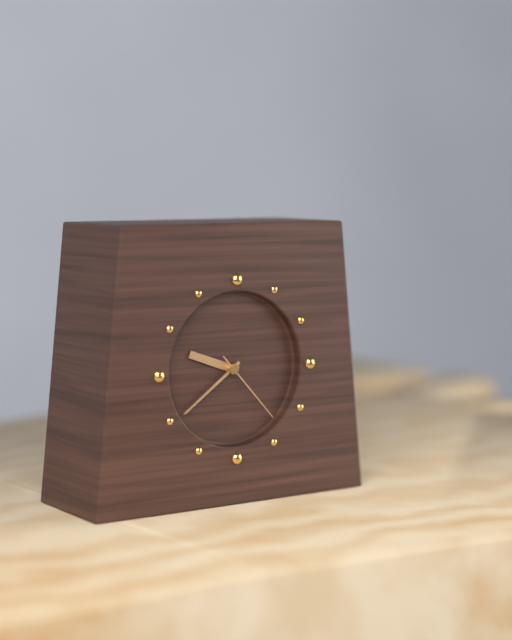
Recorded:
{"hour": 9, "minute": 39, "second": 23}
